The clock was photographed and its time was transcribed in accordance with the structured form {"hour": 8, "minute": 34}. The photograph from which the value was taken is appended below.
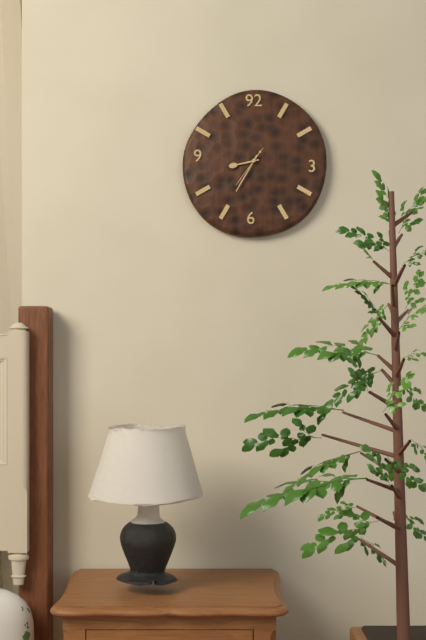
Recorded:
{"hour": 8, "minute": 35}
